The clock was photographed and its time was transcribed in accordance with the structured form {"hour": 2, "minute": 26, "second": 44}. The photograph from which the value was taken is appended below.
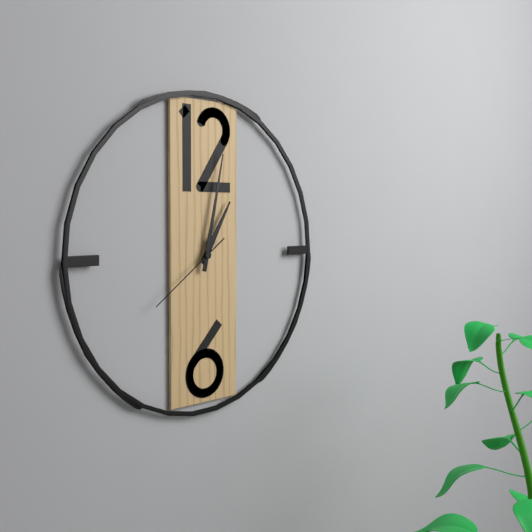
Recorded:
{"hour": 1, "minute": 2, "second": 39}
